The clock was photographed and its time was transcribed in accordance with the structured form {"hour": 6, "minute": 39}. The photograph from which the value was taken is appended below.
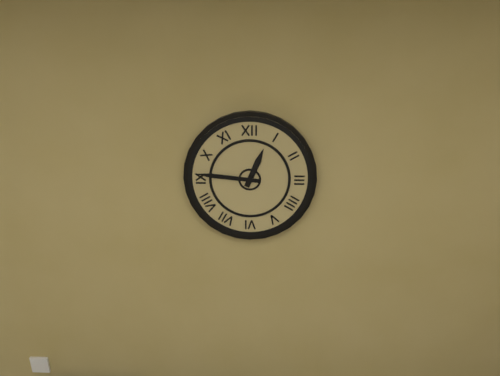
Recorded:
{"hour": 12, "minute": 46}
